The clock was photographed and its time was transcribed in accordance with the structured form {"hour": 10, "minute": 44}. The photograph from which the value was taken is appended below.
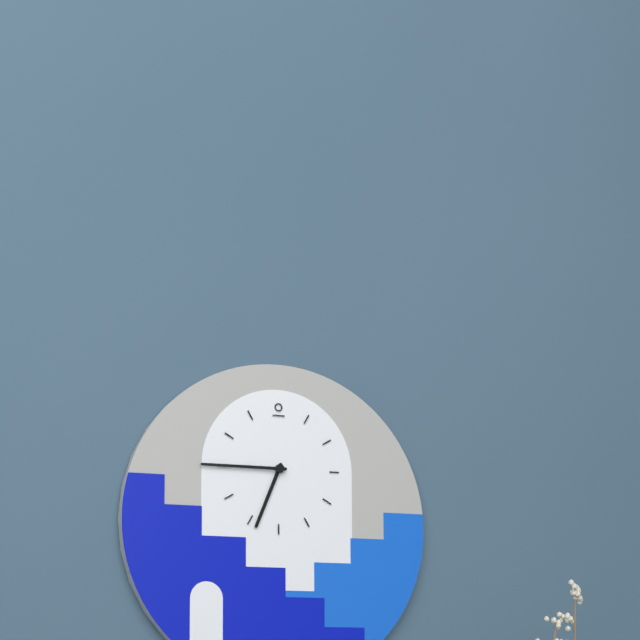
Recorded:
{"hour": 6, "minute": 45}
